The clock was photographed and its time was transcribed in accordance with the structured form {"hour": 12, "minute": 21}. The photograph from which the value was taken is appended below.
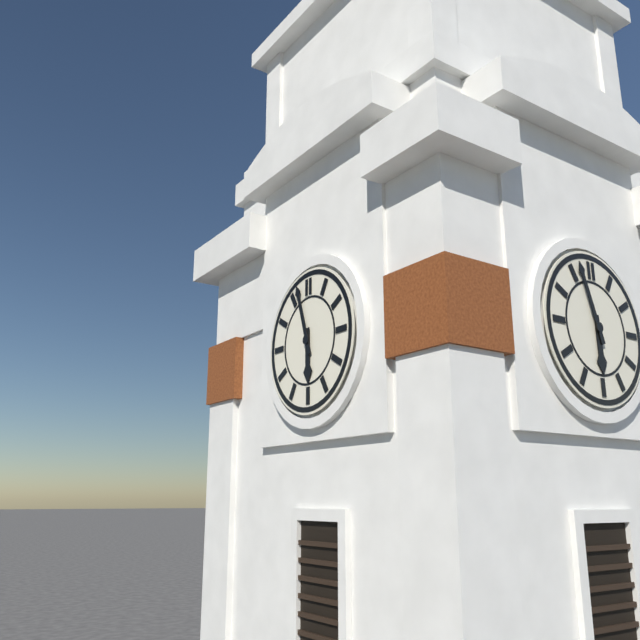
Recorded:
{"hour": 5, "minute": 57}
